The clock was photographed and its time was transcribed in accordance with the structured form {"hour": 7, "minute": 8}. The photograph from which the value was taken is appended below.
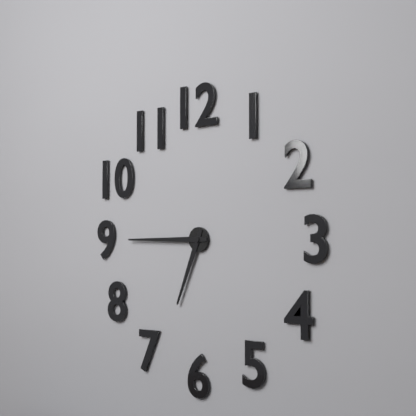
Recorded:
{"hour": 6, "minute": 45}
